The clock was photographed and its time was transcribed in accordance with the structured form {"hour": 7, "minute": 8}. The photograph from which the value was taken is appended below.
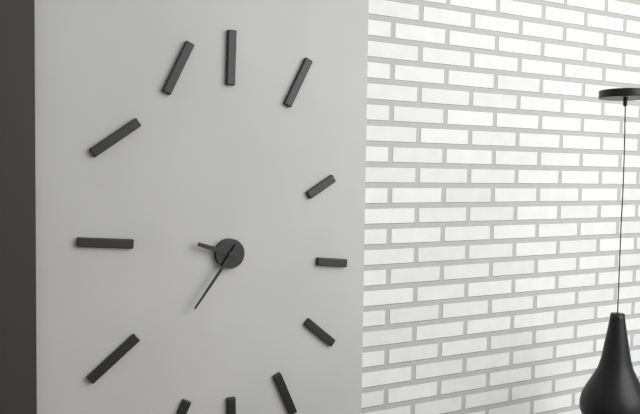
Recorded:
{"hour": 9, "minute": 36}
